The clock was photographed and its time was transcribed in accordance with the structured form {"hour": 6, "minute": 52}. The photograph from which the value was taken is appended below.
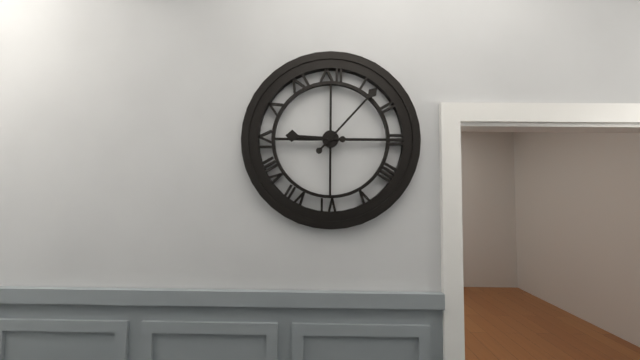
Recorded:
{"hour": 9, "minute": 7}
